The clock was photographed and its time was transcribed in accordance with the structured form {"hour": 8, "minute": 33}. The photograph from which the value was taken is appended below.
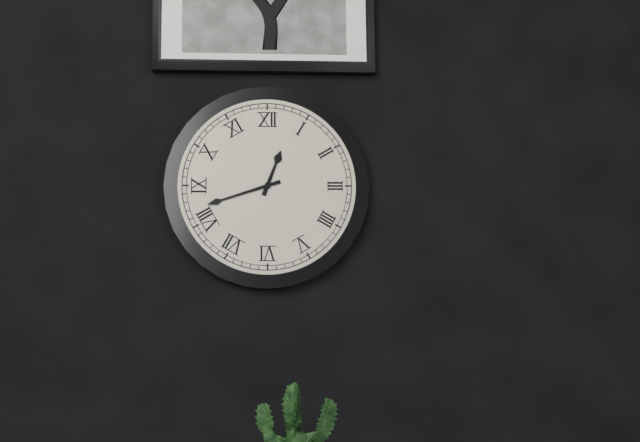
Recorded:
{"hour": 12, "minute": 42}
